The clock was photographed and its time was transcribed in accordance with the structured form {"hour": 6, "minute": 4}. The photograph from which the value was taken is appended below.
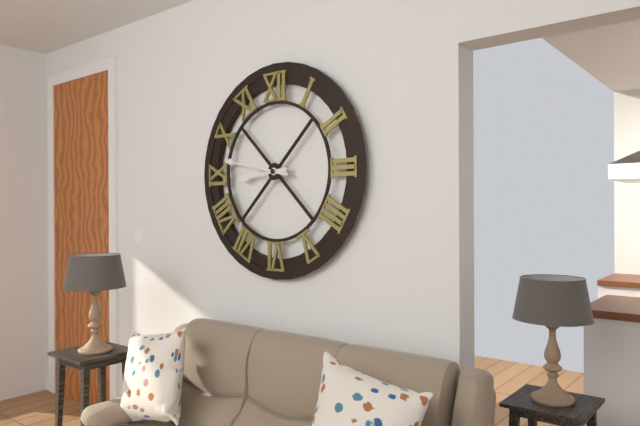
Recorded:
{"hour": 8, "minute": 47}
